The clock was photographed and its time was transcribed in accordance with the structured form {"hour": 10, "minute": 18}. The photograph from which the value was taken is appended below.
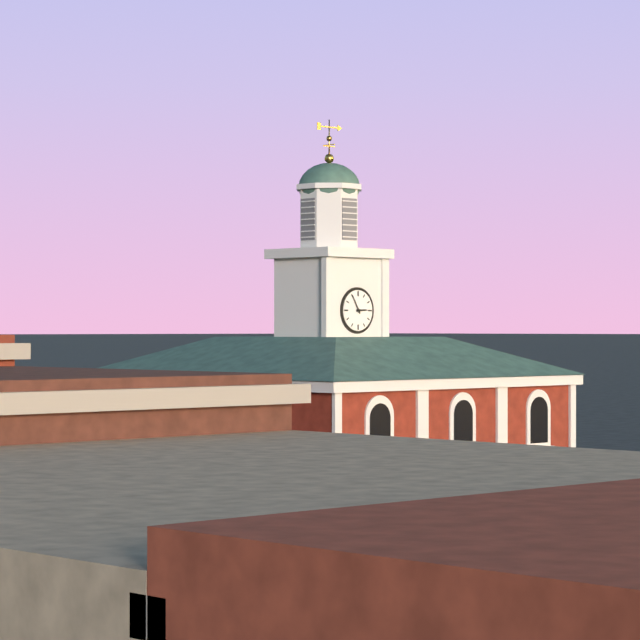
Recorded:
{"hour": 2, "minute": 55}
